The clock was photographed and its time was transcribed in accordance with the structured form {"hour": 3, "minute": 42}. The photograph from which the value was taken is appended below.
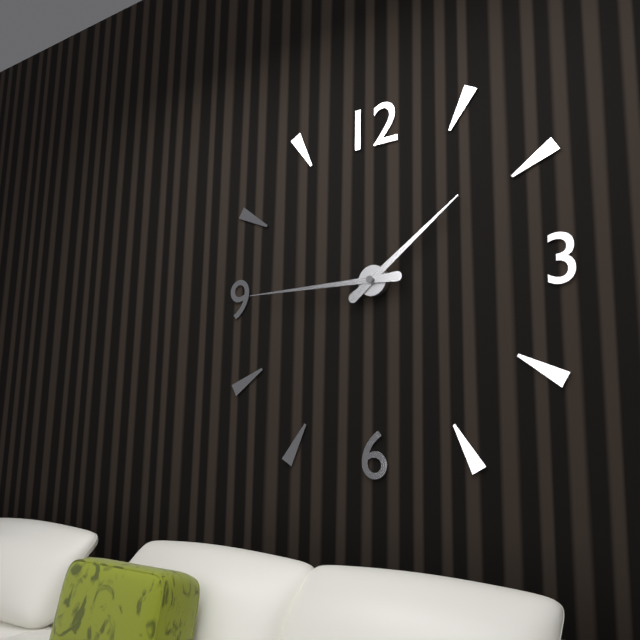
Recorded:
{"hour": 1, "minute": 45}
